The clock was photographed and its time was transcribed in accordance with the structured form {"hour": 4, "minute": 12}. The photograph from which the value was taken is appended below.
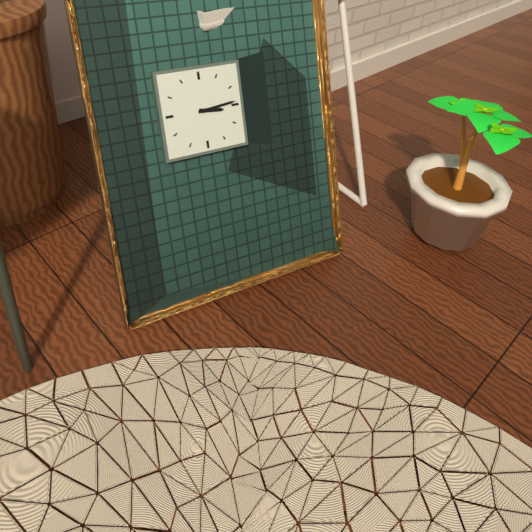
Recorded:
{"hour": 3, "minute": 14}
